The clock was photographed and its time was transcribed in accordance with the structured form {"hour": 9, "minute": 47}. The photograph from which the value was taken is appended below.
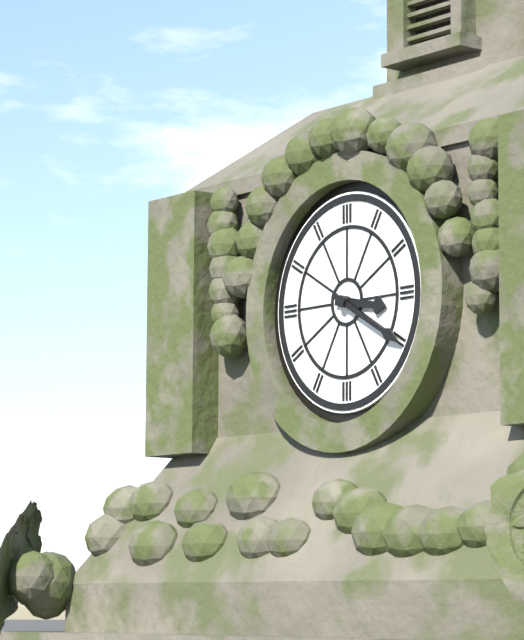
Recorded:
{"hour": 3, "minute": 20}
